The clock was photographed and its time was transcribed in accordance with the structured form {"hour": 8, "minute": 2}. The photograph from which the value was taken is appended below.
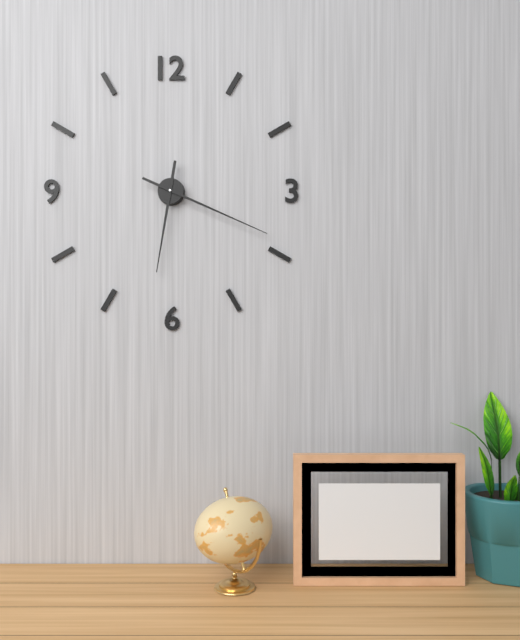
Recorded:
{"hour": 6, "minute": 19}
